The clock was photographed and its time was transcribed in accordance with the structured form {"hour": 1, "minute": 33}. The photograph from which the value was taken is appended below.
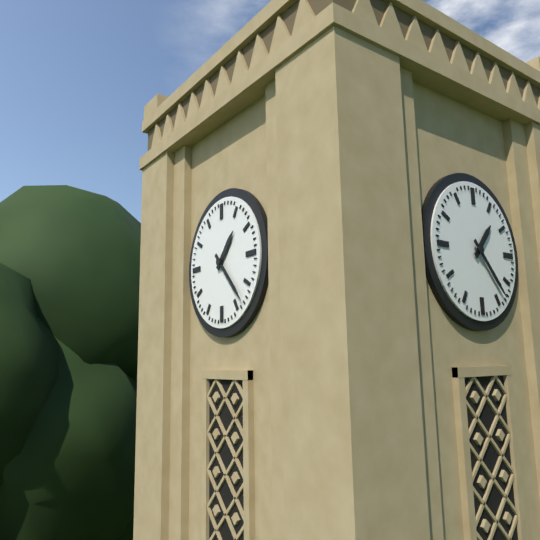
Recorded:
{"hour": 1, "minute": 23}
